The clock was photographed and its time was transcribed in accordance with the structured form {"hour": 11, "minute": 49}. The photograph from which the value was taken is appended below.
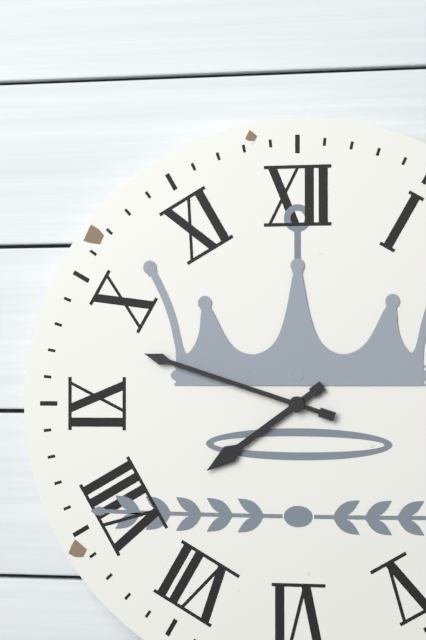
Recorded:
{"hour": 7, "minute": 48}
